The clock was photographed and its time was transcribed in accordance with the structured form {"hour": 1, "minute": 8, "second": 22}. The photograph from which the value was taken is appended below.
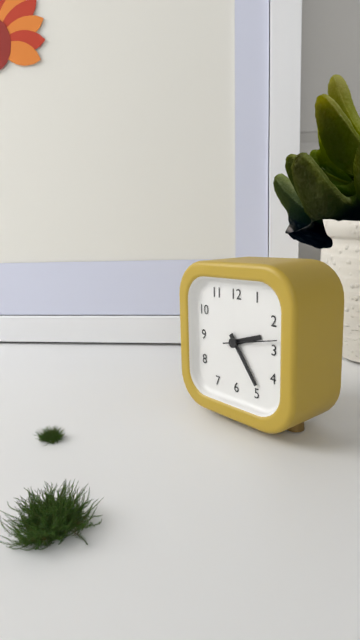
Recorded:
{"hour": 2, "minute": 24, "second": 13}
